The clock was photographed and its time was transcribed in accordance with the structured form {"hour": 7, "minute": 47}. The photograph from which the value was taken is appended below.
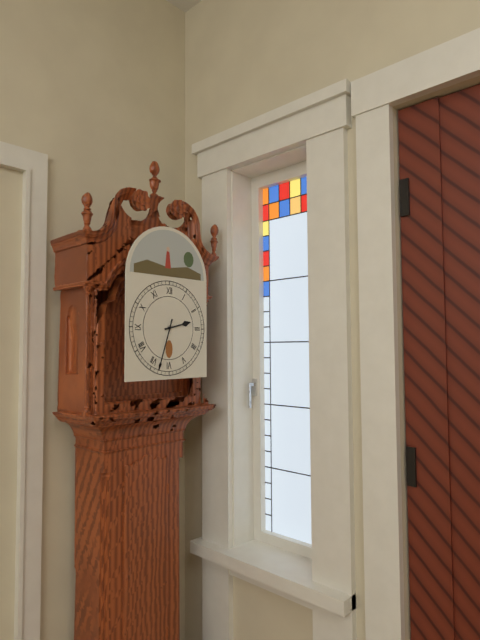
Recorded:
{"hour": 2, "minute": 33}
